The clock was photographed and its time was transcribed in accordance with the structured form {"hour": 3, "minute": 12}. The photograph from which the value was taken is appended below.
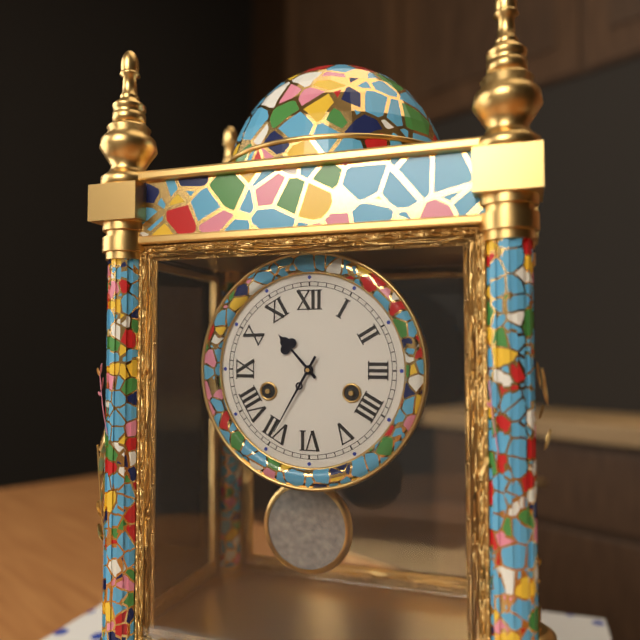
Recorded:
{"hour": 10, "minute": 35}
